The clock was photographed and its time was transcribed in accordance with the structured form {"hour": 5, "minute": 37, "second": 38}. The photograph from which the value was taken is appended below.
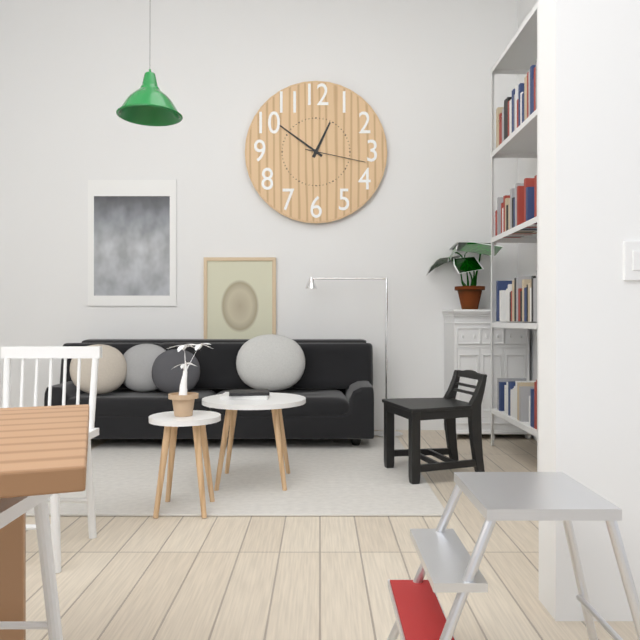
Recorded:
{"hour": 12, "minute": 51, "second": 17}
